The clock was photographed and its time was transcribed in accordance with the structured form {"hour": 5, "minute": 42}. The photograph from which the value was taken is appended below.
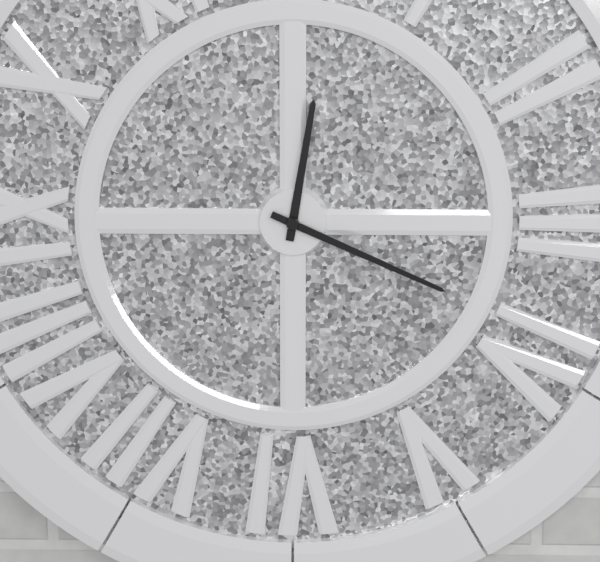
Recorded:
{"hour": 12, "minute": 19}
